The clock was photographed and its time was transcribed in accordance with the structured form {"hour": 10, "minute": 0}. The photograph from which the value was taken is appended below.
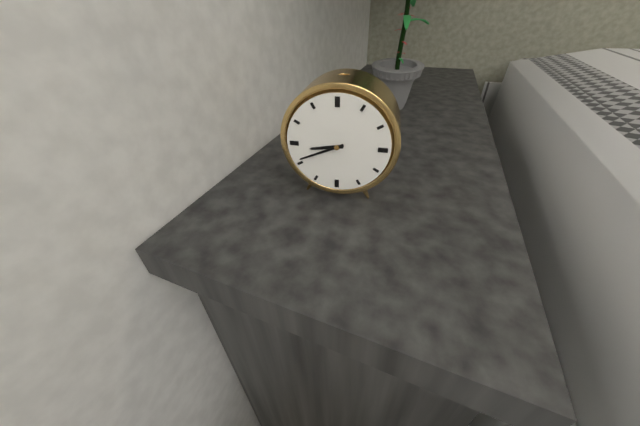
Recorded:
{"hour": 8, "minute": 41}
